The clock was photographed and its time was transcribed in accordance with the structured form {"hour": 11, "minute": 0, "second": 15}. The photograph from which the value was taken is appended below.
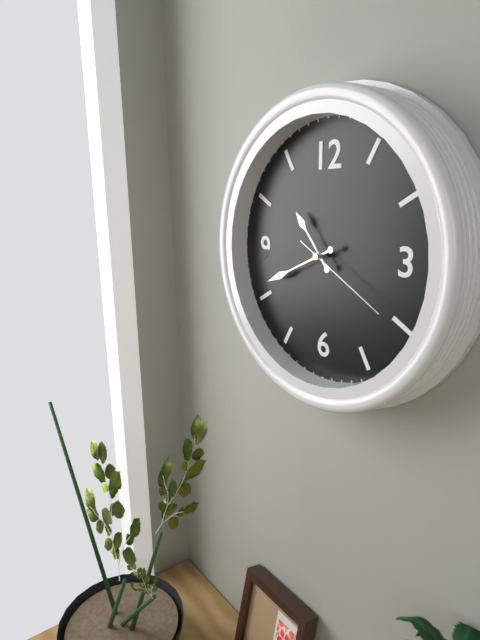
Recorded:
{"hour": 10, "minute": 41, "second": 20}
